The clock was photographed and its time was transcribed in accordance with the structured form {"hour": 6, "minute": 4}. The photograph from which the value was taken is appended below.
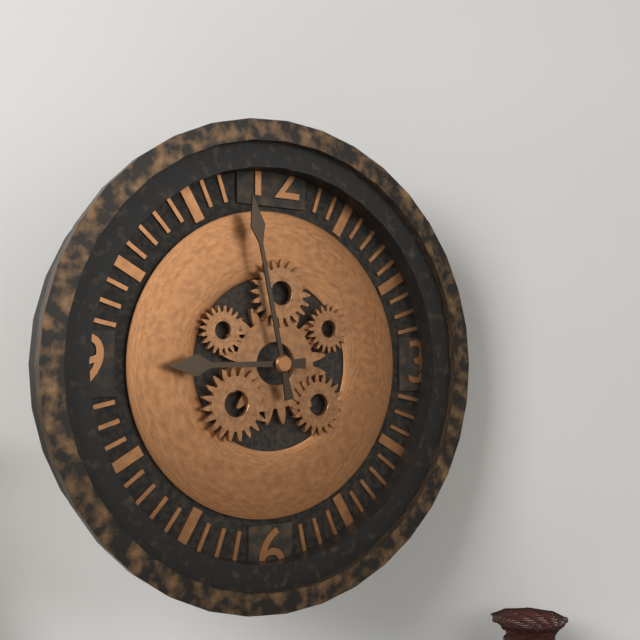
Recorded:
{"hour": 8, "minute": 58}
